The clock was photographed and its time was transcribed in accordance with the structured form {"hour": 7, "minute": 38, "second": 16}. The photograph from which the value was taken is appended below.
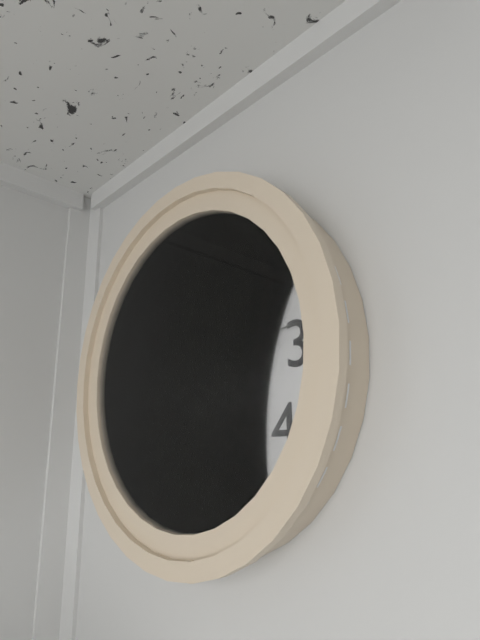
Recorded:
{"hour": 11, "minute": 35, "second": 14}
